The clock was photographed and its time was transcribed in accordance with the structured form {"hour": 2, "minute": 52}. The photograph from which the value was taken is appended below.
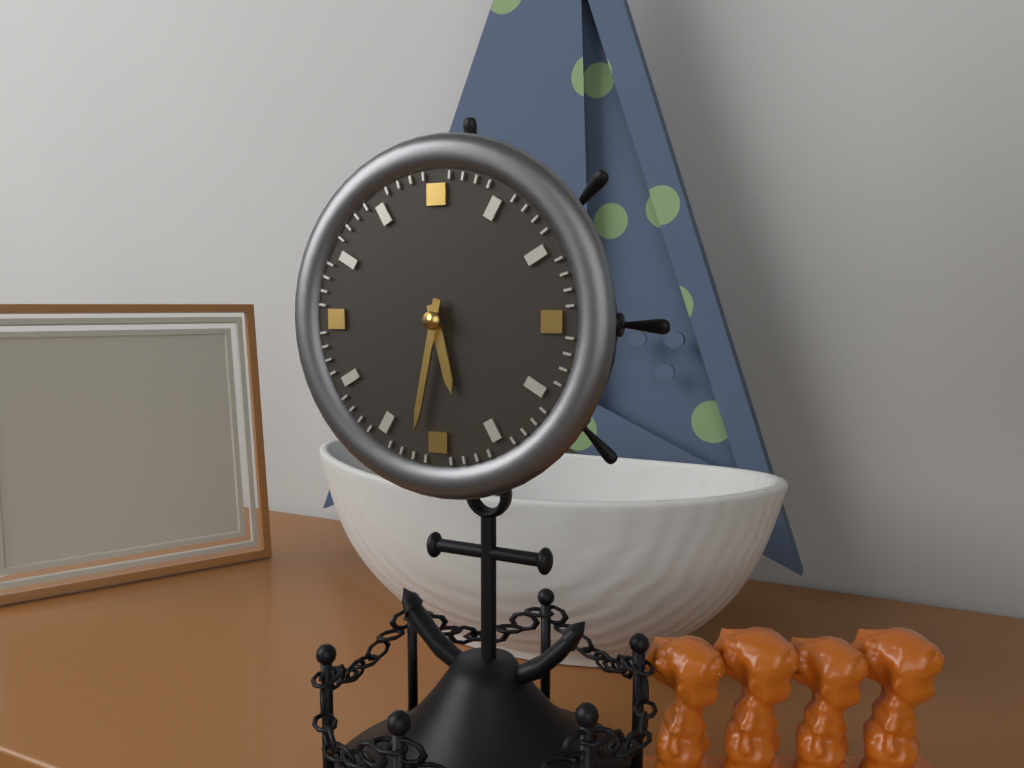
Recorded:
{"hour": 5, "minute": 32}
